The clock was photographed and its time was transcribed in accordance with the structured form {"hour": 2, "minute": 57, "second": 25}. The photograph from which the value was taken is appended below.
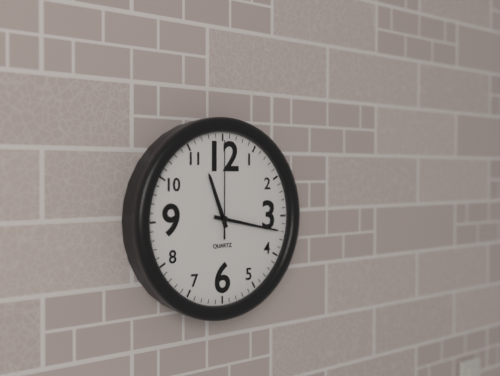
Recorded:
{"hour": 11, "minute": 17, "second": 0}
